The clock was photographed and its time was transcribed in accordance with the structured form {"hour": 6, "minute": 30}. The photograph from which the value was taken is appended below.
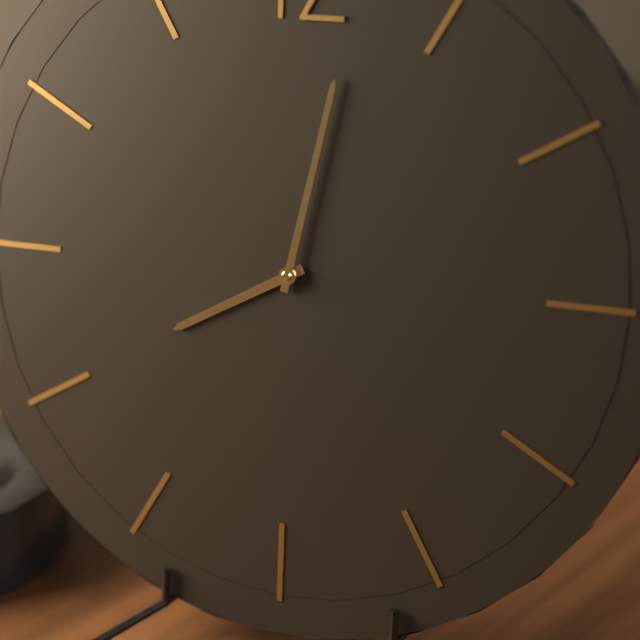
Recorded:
{"hour": 8, "minute": 2}
